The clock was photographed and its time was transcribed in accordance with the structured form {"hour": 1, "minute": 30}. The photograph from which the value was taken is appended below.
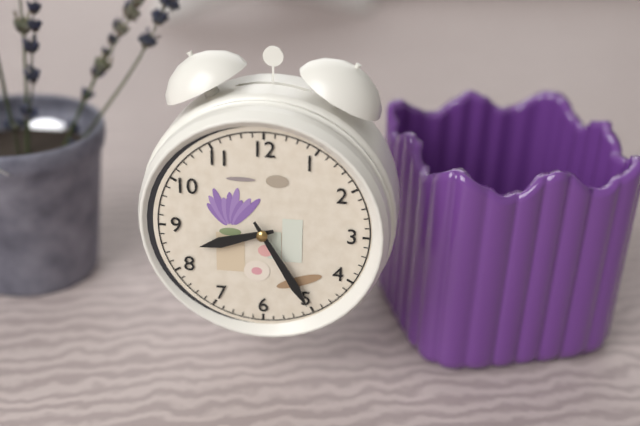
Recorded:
{"hour": 8, "minute": 25}
